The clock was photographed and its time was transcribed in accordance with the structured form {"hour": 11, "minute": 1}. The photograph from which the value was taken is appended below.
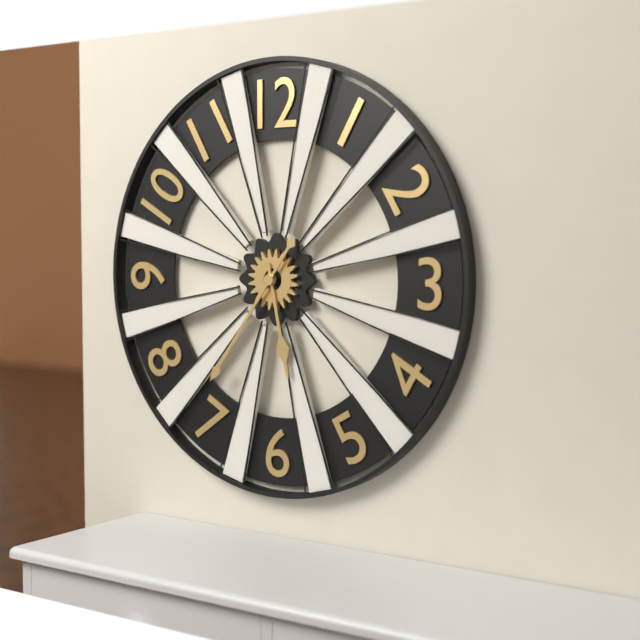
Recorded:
{"hour": 5, "minute": 36}
